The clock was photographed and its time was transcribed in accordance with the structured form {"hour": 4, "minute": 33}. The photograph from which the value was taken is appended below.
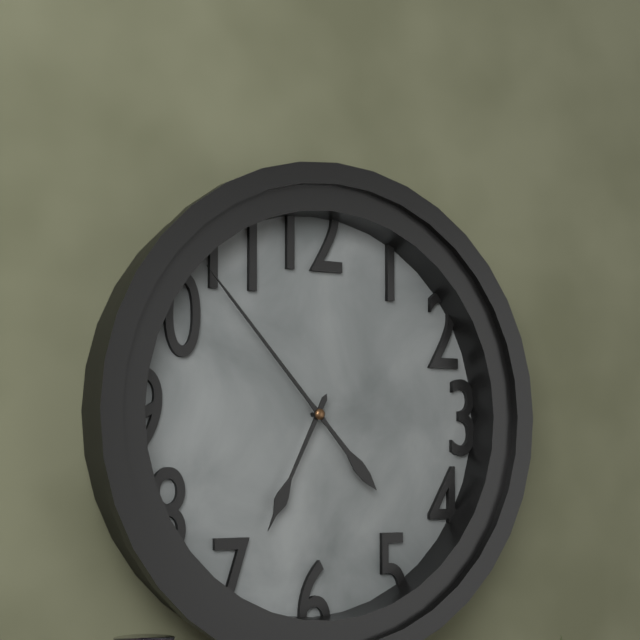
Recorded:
{"hour": 6, "minute": 53}
